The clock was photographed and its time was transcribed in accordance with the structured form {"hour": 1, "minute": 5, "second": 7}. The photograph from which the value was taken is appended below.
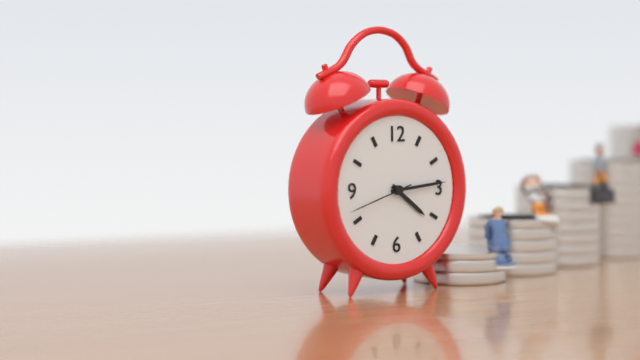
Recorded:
{"hour": 4, "minute": 14, "second": 42}
